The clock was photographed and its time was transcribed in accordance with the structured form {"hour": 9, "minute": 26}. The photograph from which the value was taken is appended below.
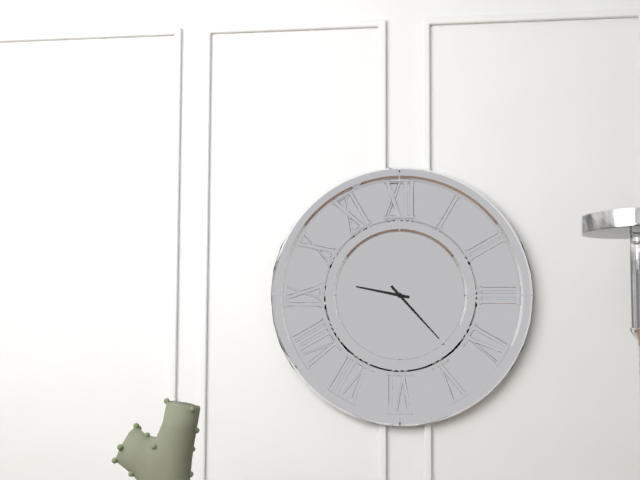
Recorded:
{"hour": 9, "minute": 23}
